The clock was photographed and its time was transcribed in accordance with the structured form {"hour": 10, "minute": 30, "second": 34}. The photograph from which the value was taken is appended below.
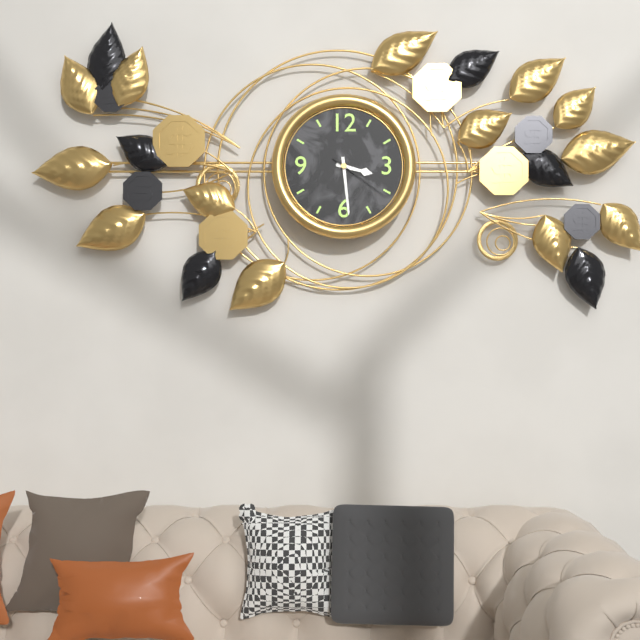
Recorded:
{"hour": 3, "minute": 29, "second": 21}
